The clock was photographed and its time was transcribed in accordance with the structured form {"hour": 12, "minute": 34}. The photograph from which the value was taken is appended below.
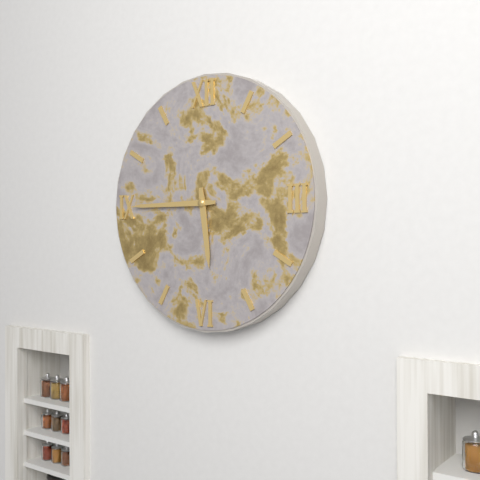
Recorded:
{"hour": 5, "minute": 45}
